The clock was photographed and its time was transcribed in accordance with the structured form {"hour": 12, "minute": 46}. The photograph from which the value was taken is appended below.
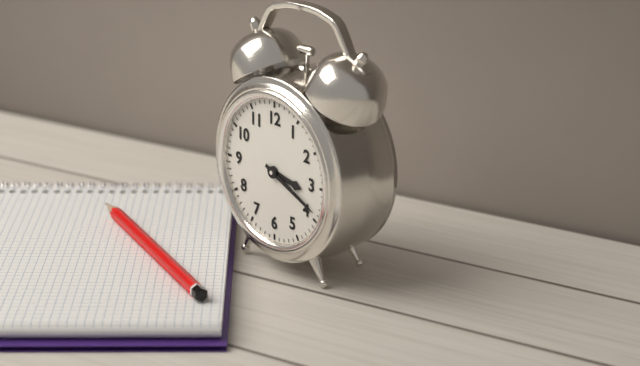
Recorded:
{"hour": 3, "minute": 19}
